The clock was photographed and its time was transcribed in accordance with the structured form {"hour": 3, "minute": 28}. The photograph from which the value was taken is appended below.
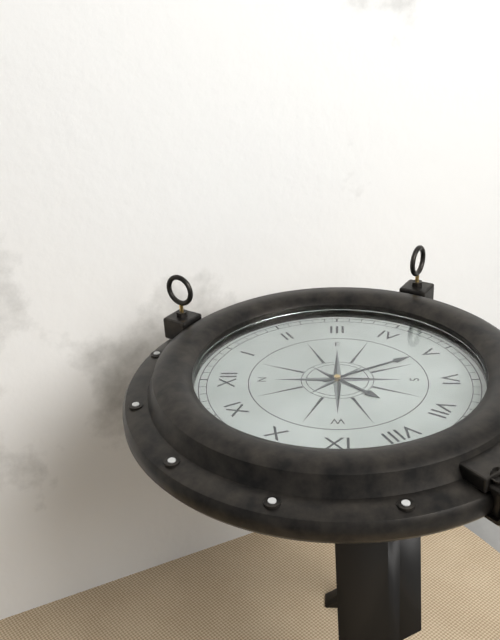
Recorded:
{"hour": 7, "minute": 25}
